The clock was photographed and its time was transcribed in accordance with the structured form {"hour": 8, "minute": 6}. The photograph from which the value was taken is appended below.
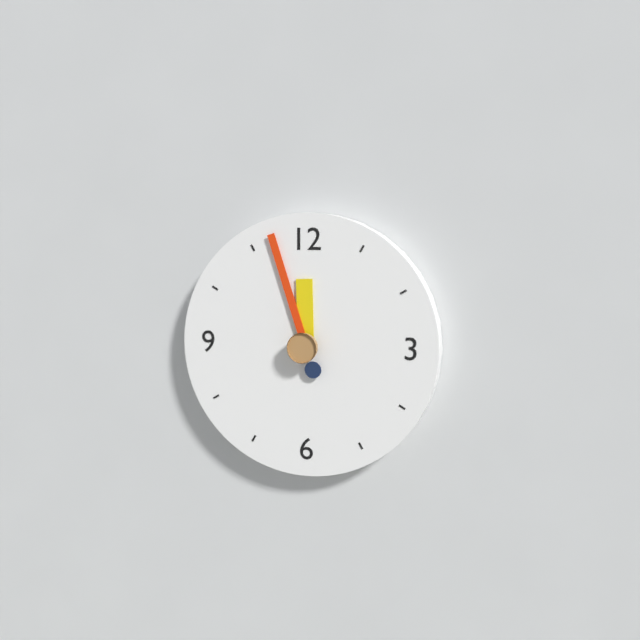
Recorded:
{"hour": 11, "minute": 57}
